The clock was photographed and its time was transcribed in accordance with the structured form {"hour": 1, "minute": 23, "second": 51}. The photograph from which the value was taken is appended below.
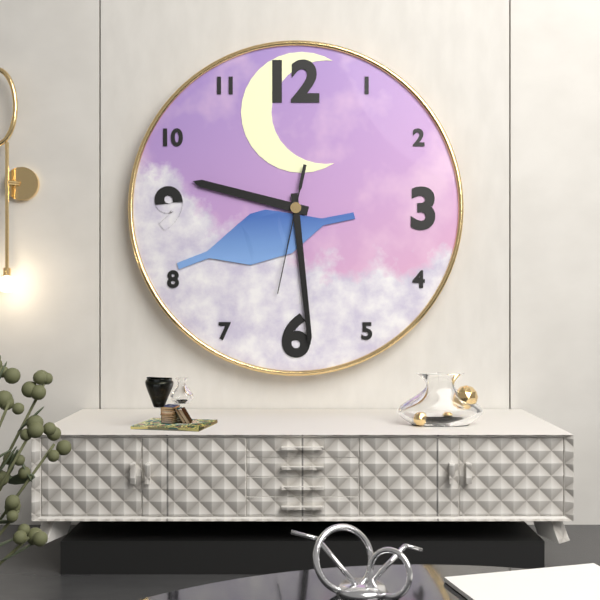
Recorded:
{"hour": 9, "minute": 29, "second": 32}
